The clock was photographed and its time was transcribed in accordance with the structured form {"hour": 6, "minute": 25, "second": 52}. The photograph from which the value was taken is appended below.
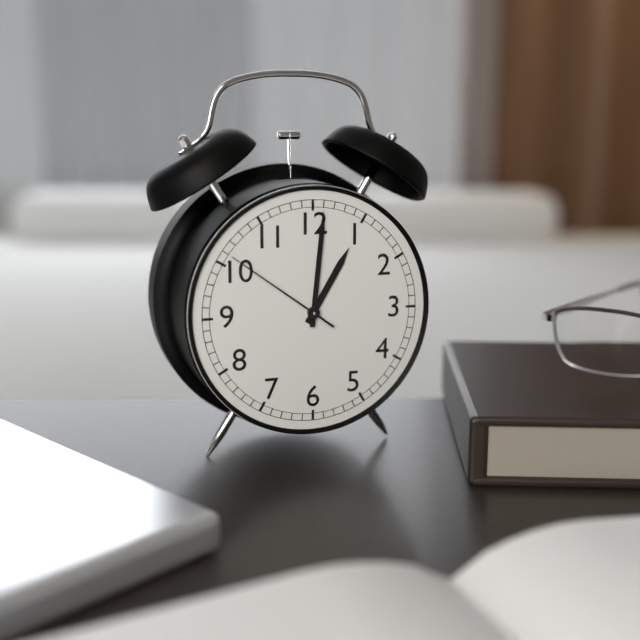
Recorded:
{"hour": 1, "minute": 1, "second": 51}
